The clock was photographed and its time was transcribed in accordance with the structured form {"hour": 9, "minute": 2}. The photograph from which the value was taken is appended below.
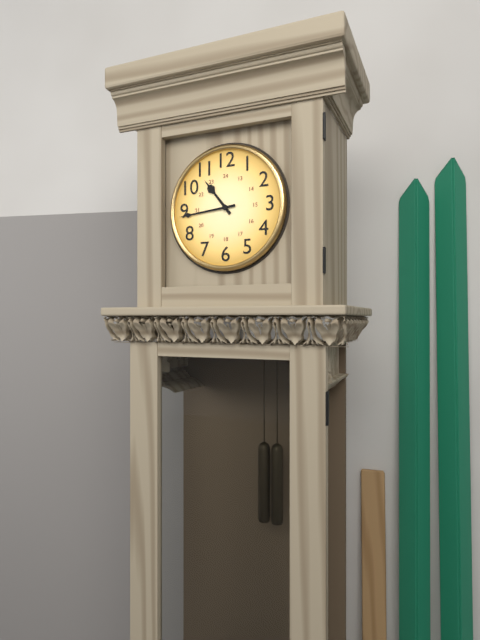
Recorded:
{"hour": 10, "minute": 44}
